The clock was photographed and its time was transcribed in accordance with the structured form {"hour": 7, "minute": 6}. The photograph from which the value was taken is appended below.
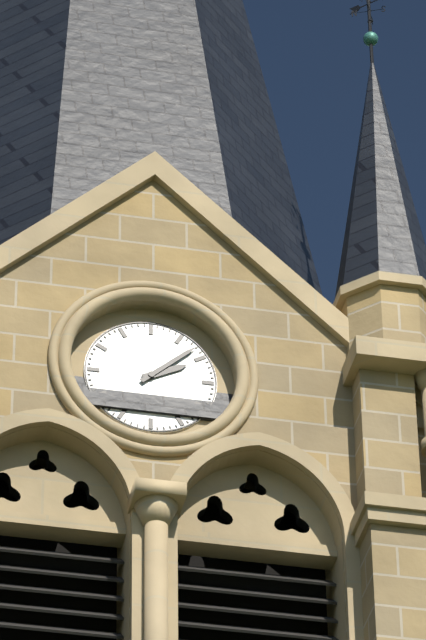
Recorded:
{"hour": 2, "minute": 8}
